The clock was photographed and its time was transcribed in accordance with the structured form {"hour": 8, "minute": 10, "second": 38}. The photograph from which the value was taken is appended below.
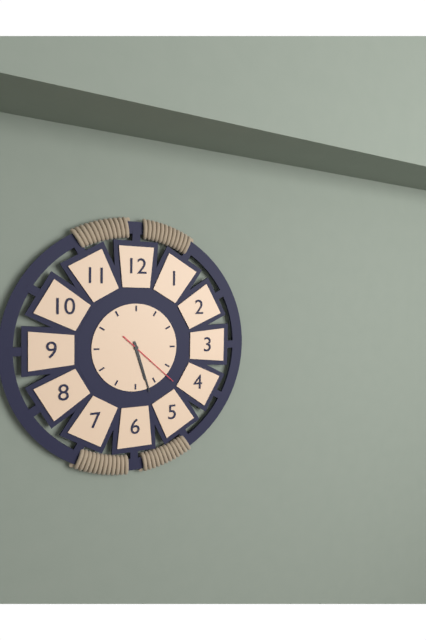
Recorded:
{"hour": 5, "minute": 27, "second": 22}
